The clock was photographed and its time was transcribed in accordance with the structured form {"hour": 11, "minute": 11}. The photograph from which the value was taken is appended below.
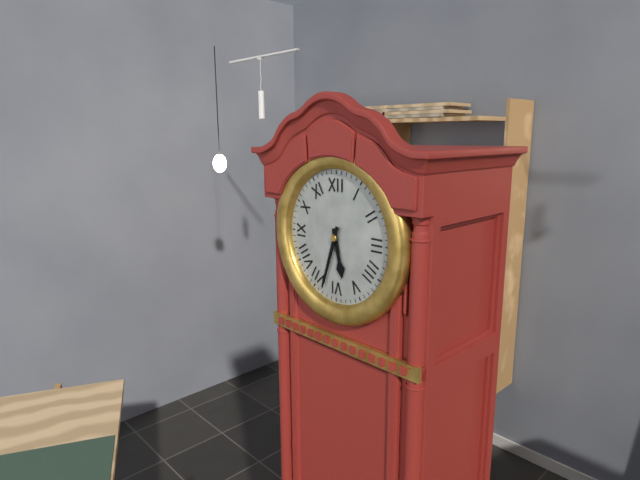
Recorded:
{"hour": 5, "minute": 33}
